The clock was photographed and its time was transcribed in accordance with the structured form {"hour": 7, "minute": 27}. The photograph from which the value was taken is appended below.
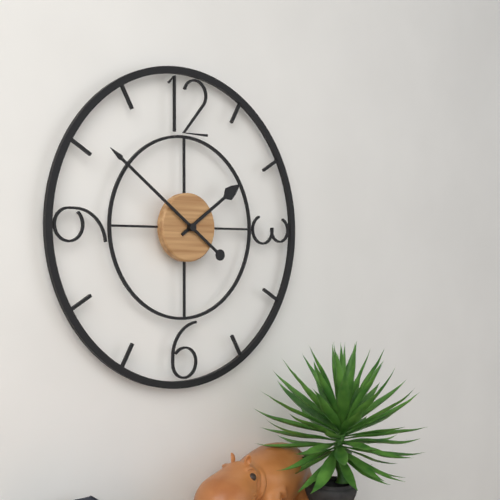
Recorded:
{"hour": 1, "minute": 51}
